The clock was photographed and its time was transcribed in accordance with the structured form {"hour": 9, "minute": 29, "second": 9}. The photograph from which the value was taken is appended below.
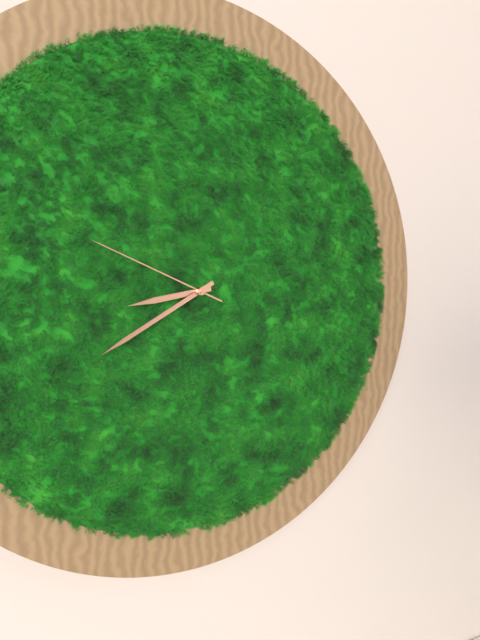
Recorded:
{"hour": 8, "minute": 40, "second": 49}
